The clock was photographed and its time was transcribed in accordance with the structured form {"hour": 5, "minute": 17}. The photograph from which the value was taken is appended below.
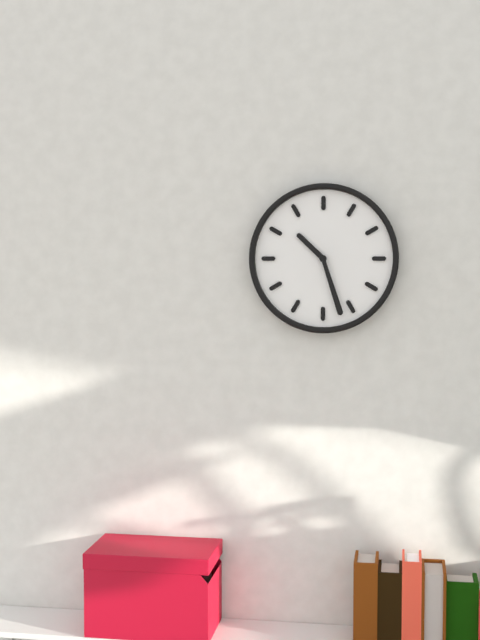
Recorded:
{"hour": 10, "minute": 27}
